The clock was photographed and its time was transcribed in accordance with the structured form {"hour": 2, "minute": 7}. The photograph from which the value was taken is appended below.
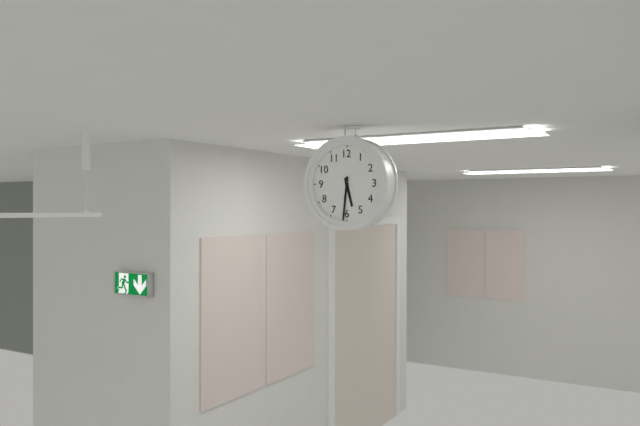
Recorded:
{"hour": 5, "minute": 31}
